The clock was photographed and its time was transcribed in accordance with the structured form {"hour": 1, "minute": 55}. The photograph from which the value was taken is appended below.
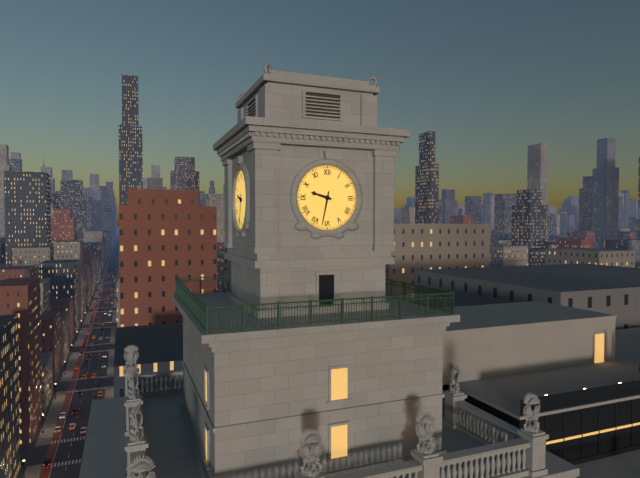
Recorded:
{"hour": 9, "minute": 32}
